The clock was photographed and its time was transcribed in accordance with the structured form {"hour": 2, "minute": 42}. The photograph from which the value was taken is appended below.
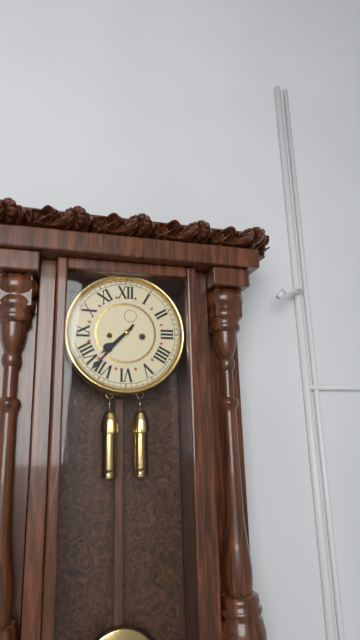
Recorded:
{"hour": 7, "minute": 37}
